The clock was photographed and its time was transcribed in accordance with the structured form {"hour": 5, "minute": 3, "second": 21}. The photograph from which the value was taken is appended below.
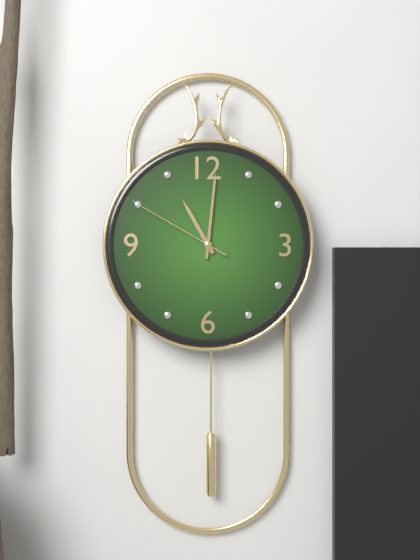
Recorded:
{"hour": 11, "minute": 1, "second": 50}
